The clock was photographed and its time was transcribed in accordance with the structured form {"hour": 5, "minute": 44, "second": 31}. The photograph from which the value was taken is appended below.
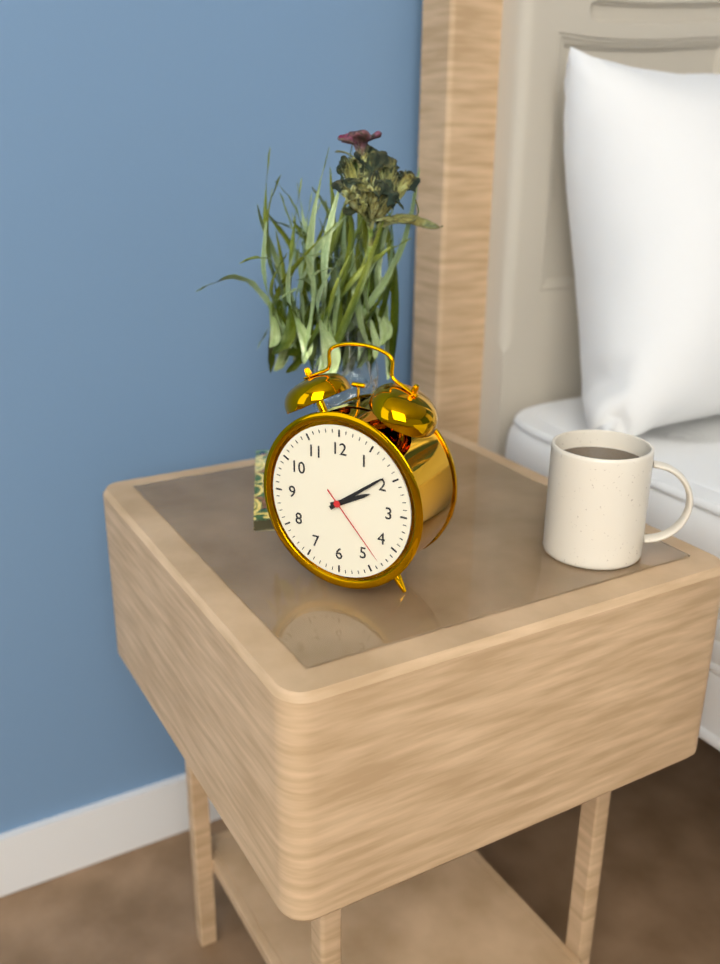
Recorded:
{"hour": 2, "minute": 9, "second": 23}
